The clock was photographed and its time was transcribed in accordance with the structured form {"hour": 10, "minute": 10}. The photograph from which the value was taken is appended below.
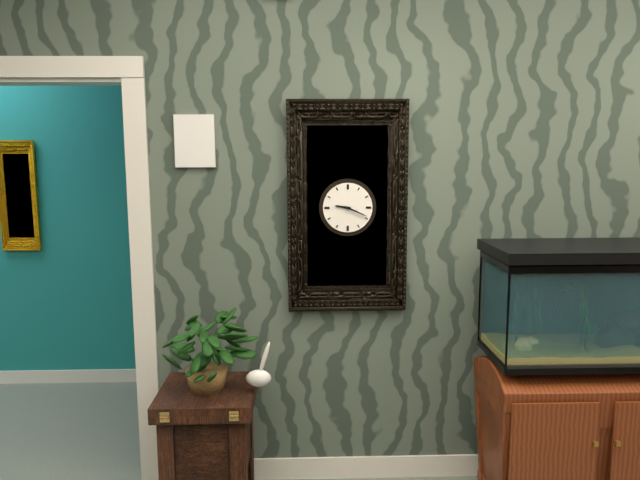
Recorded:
{"hour": 9, "minute": 19}
